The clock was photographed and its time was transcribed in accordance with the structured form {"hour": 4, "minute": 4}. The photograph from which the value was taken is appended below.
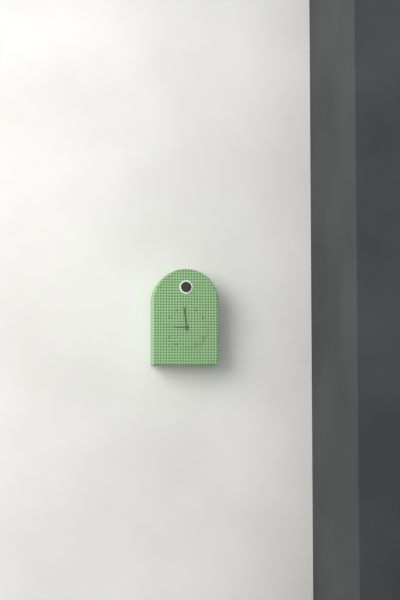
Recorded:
{"hour": 8, "minute": 59}
